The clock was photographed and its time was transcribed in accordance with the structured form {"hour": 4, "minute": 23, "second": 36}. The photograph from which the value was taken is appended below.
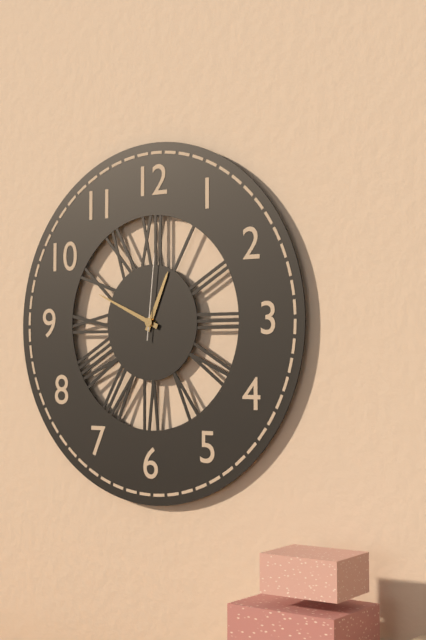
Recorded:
{"hour": 12, "minute": 49, "second": 1}
